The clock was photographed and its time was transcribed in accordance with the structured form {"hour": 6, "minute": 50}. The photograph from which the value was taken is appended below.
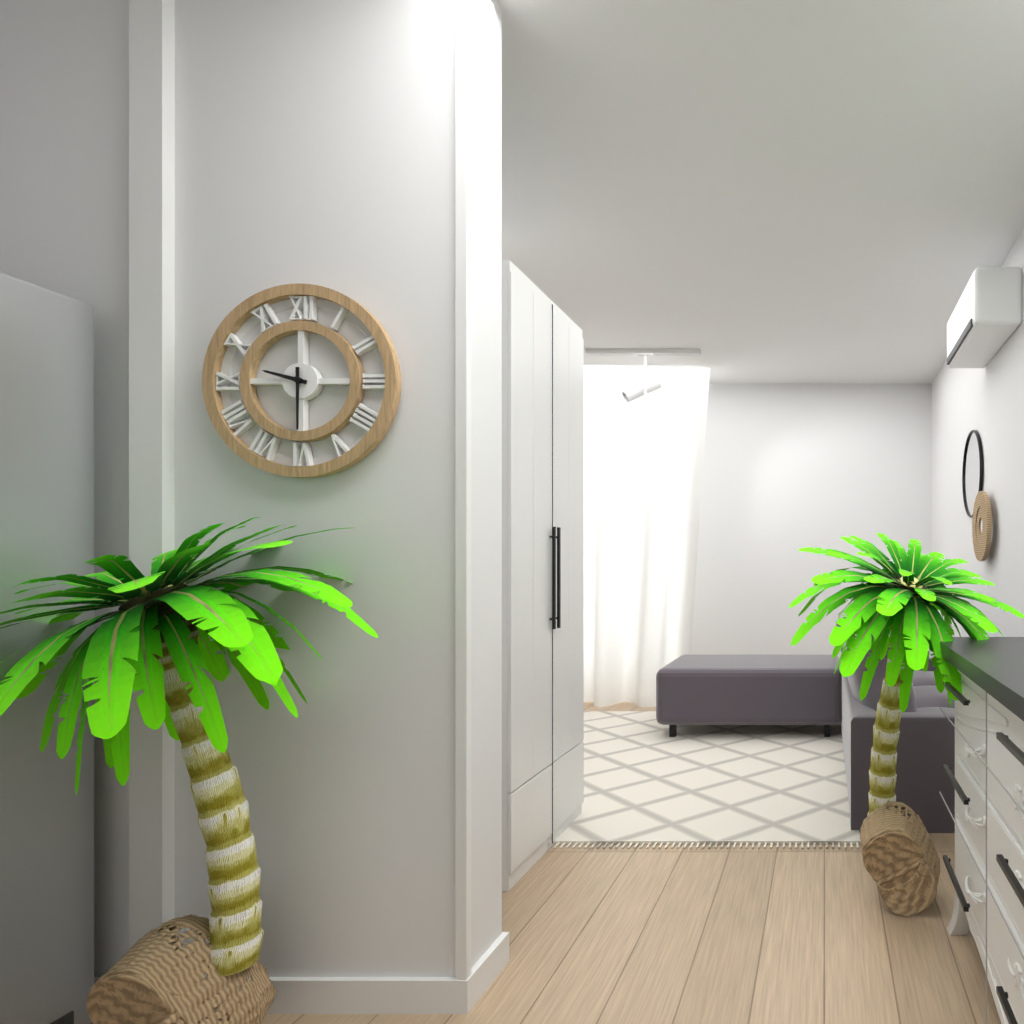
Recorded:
{"hour": 9, "minute": 30}
